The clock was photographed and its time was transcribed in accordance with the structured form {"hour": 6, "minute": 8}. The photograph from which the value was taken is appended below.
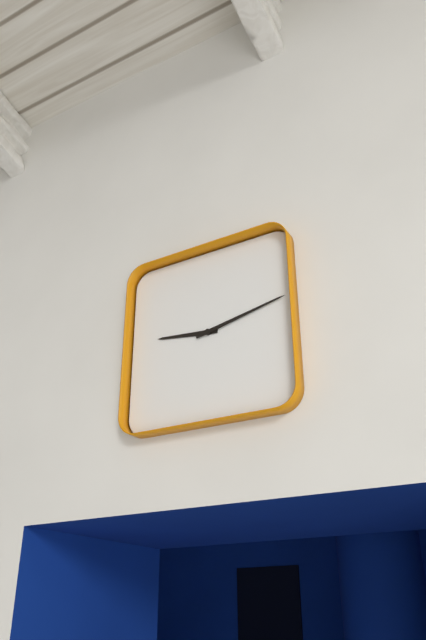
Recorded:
{"hour": 9, "minute": 13}
